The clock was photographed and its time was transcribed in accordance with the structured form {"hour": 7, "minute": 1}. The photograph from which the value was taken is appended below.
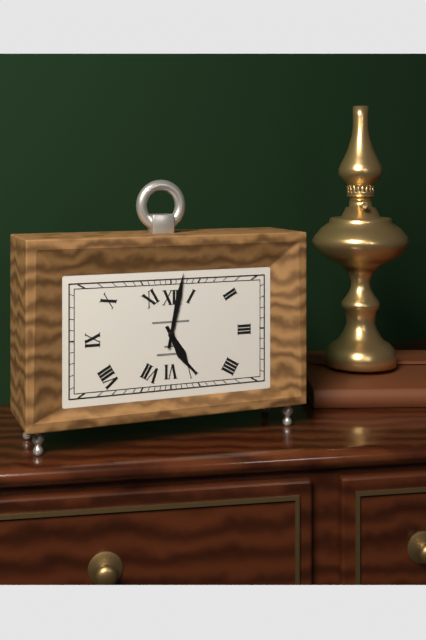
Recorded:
{"hour": 5, "minute": 2}
